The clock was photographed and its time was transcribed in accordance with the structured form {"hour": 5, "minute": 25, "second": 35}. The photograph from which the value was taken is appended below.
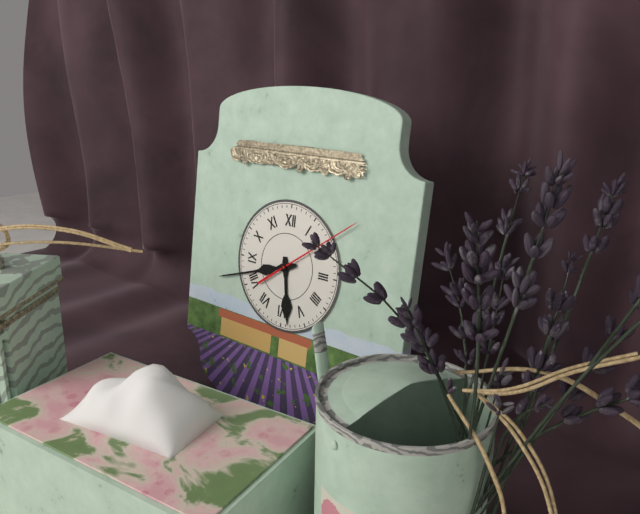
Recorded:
{"hour": 5, "minute": 42, "second": 9}
